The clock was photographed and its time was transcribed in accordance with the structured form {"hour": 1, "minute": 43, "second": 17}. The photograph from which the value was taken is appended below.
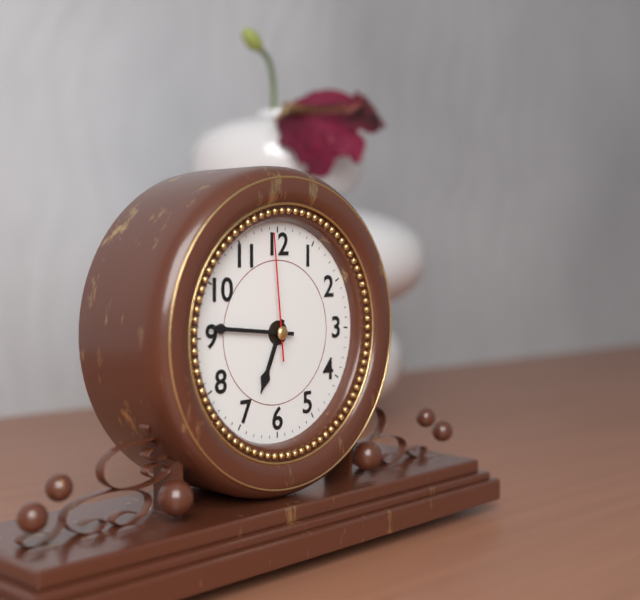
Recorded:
{"hour": 6, "minute": 46, "second": 59}
